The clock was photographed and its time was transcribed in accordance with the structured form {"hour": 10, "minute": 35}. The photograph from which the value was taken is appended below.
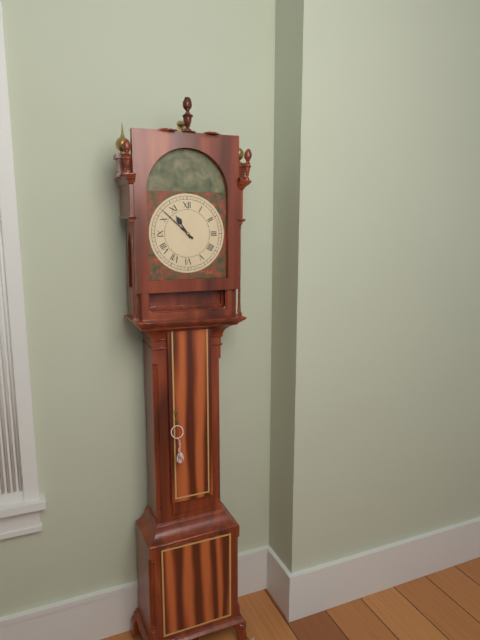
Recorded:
{"hour": 10, "minute": 52}
